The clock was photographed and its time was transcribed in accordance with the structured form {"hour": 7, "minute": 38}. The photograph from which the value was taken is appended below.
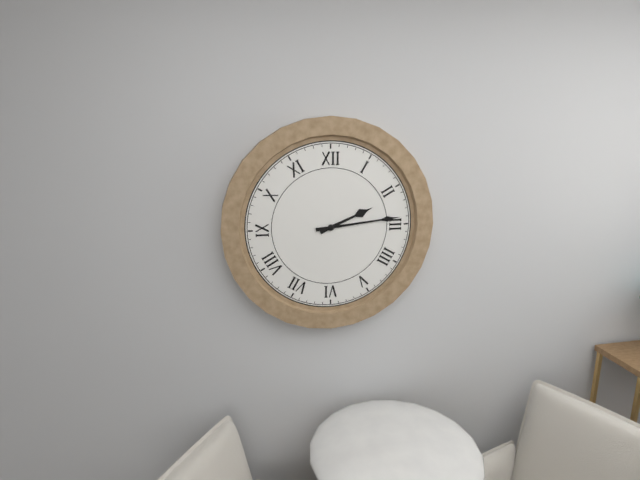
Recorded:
{"hour": 2, "minute": 14}
